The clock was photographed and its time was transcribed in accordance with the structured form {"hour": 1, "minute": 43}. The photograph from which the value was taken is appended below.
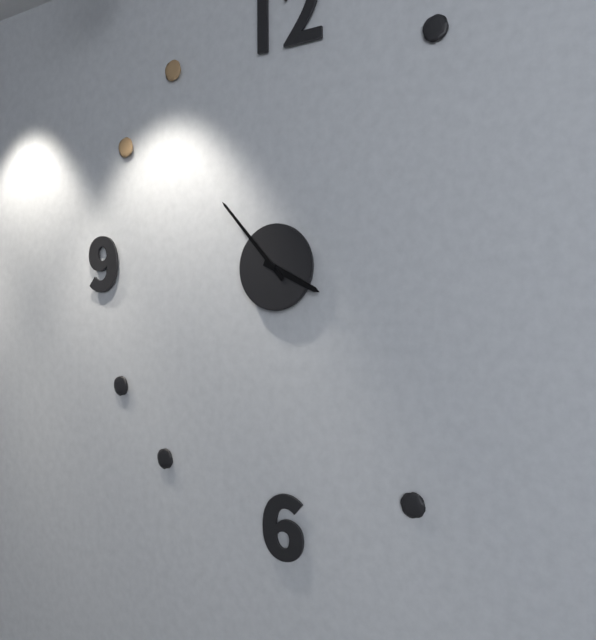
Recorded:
{"hour": 3, "minute": 53}
